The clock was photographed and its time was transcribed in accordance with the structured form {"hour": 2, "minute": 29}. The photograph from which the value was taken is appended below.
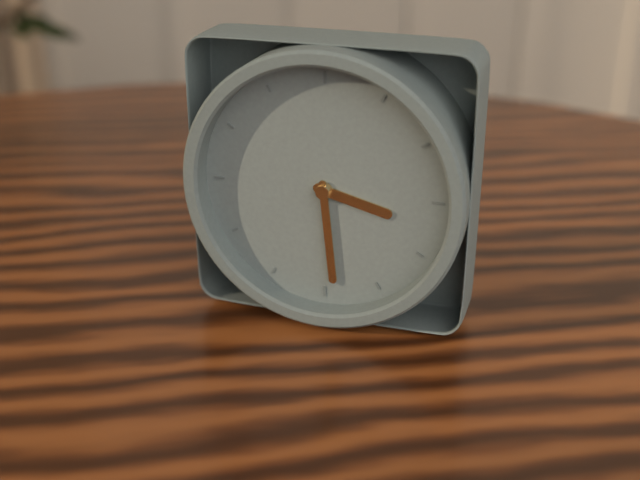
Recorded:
{"hour": 3, "minute": 29}
